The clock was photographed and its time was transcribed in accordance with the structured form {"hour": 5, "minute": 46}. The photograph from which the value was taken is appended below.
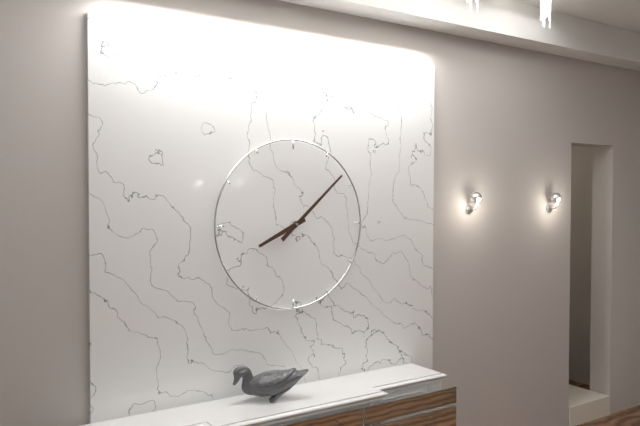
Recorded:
{"hour": 8, "minute": 8}
